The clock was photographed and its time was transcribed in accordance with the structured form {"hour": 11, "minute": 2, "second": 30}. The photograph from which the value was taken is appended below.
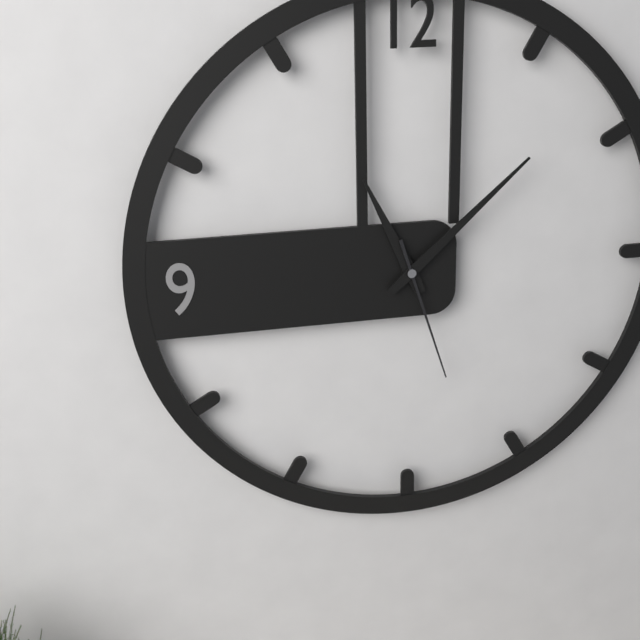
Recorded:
{"hour": 11, "minute": 8, "second": 27}
